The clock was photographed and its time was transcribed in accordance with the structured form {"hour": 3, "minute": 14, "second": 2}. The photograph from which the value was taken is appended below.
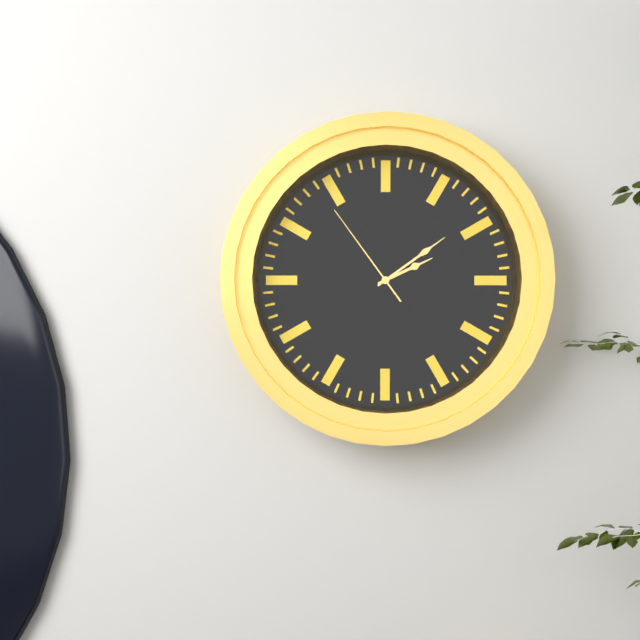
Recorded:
{"hour": 2, "minute": 9, "second": 54}
